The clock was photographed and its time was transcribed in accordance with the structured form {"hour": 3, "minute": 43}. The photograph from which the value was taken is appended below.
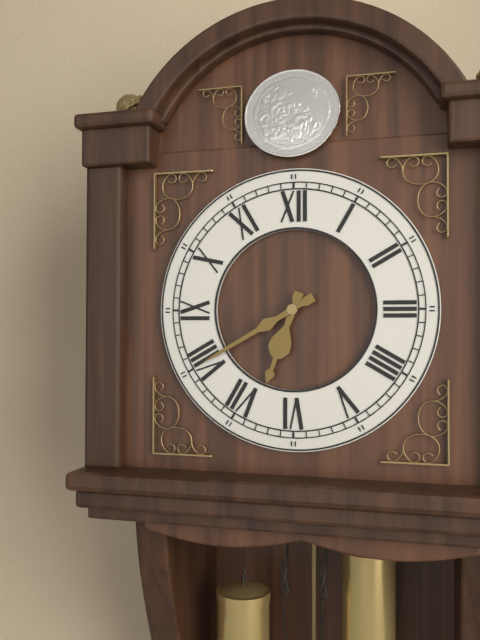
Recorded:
{"hour": 6, "minute": 40}
